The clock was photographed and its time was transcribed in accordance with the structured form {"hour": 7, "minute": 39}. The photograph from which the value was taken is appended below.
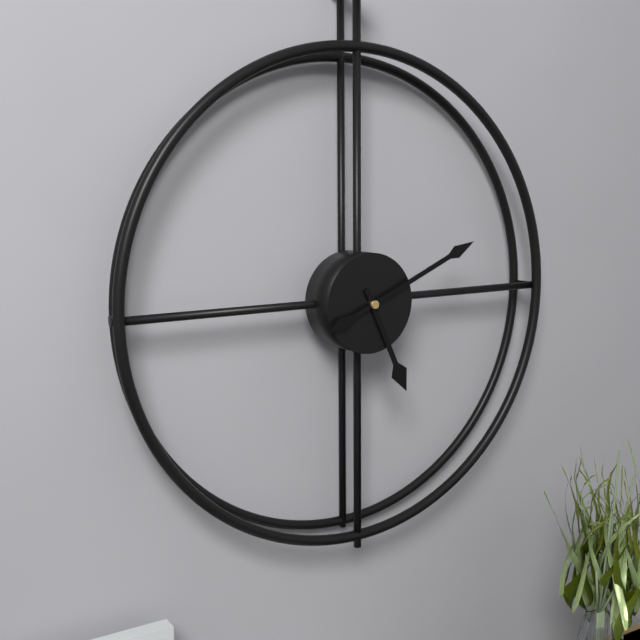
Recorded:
{"hour": 5, "minute": 11}
